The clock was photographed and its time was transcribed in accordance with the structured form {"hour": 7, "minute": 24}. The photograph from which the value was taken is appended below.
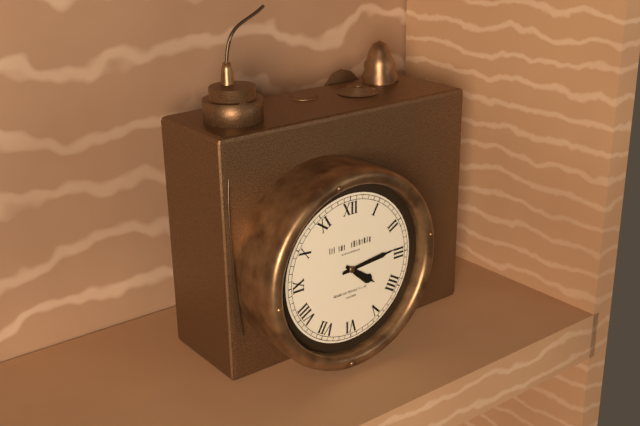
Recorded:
{"hour": 4, "minute": 14}
